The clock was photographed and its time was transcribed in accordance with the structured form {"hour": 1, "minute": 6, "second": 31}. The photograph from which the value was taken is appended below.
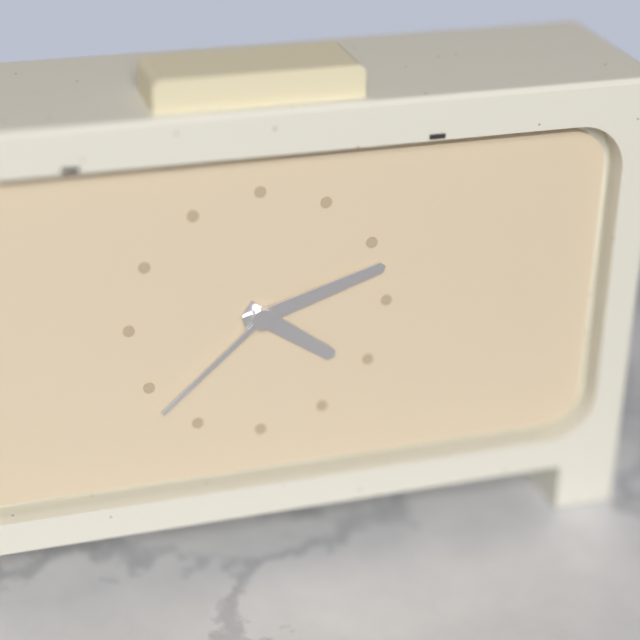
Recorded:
{"hour": 4, "minute": 12, "second": 38}
